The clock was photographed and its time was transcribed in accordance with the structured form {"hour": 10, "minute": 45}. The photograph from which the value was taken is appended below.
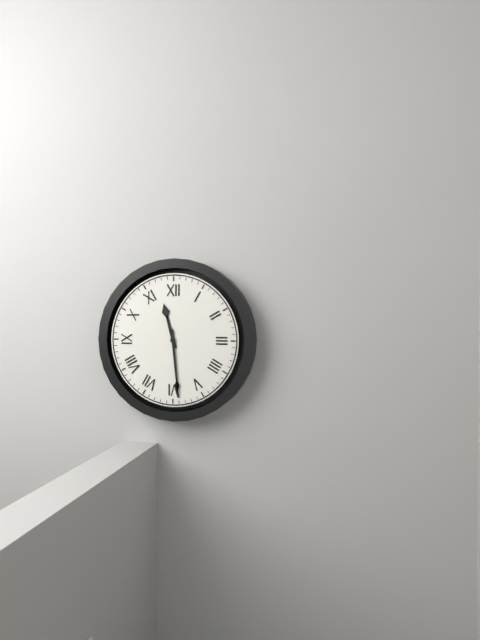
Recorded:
{"hour": 11, "minute": 29}
